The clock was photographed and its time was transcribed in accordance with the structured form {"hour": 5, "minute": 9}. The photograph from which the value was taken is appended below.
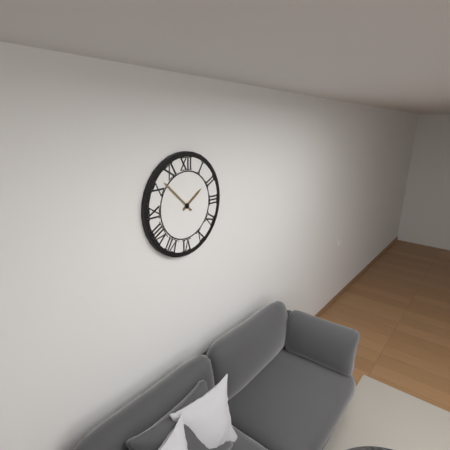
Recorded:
{"hour": 1, "minute": 52}
